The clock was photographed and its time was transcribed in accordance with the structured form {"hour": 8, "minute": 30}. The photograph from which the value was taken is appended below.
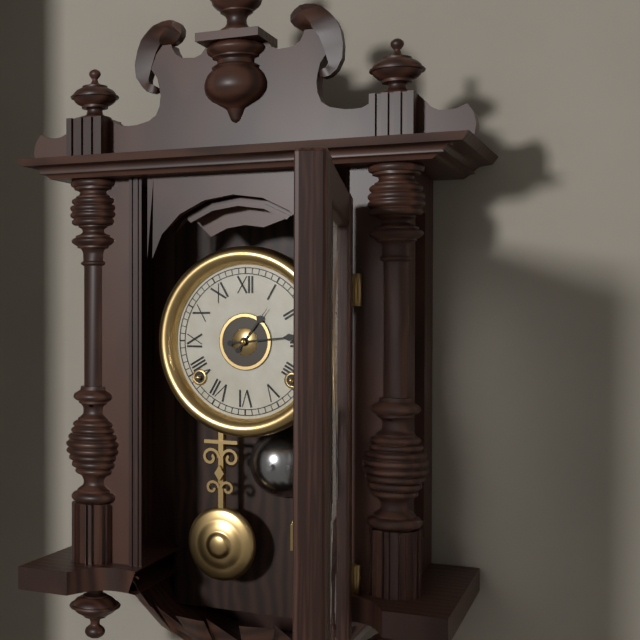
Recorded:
{"hour": 1, "minute": 14}
